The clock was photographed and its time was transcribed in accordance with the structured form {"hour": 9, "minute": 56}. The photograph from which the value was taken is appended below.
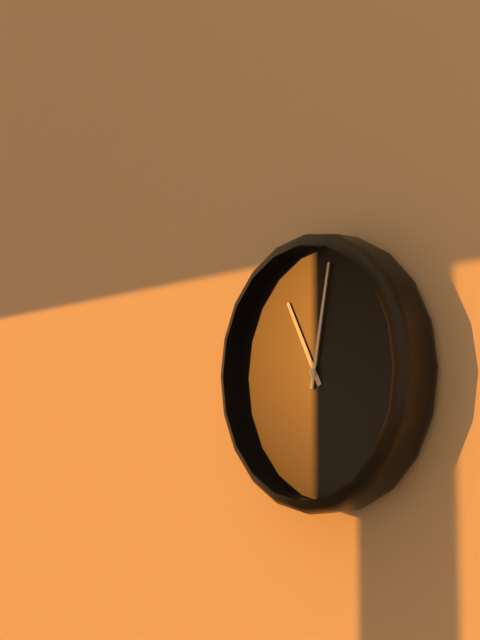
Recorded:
{"hour": 11, "minute": 2}
